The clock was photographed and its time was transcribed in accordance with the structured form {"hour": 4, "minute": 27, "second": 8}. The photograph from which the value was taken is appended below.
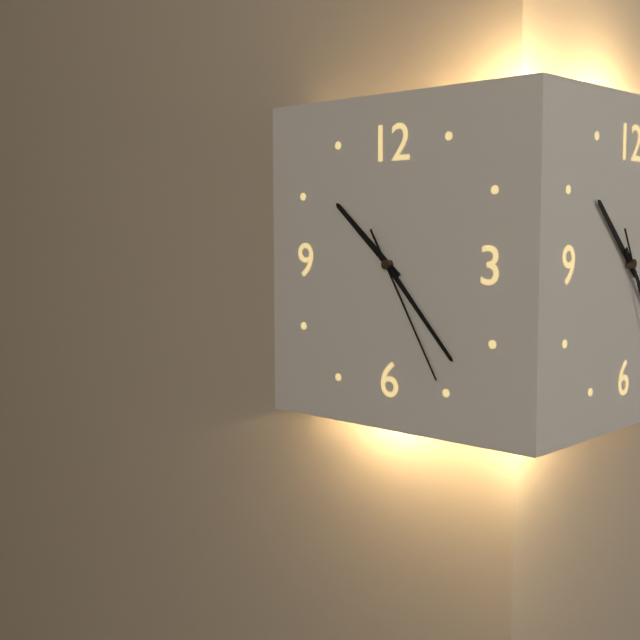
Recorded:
{"hour": 10, "minute": 23, "second": 25}
